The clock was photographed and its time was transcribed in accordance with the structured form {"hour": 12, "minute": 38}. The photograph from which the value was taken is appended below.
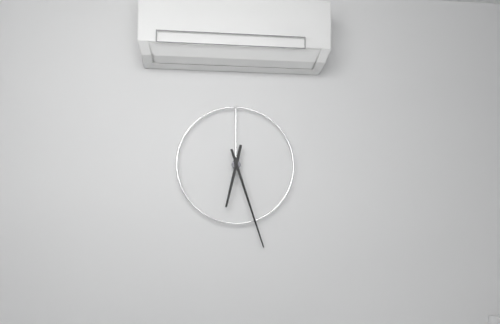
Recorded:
{"hour": 6, "minute": 27}
